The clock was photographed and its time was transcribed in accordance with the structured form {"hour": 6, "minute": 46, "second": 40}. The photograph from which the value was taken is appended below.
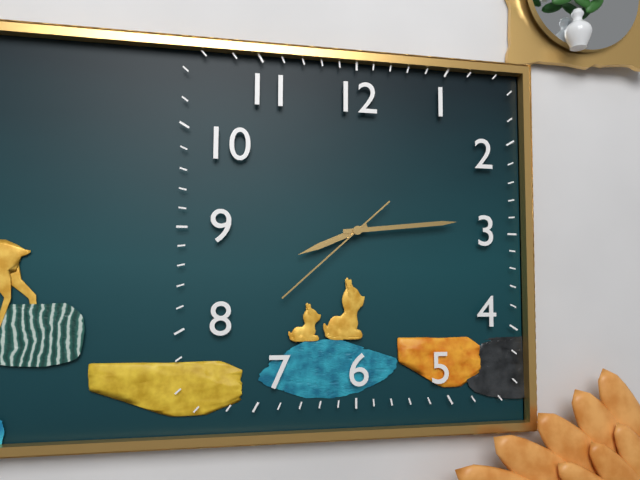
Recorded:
{"hour": 8, "minute": 14, "second": 38}
